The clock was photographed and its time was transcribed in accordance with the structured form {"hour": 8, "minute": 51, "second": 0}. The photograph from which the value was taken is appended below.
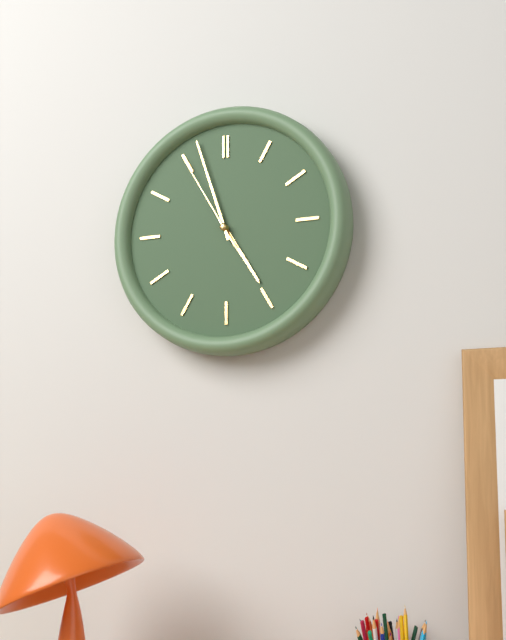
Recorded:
{"hour": 4, "minute": 57, "second": 55}
